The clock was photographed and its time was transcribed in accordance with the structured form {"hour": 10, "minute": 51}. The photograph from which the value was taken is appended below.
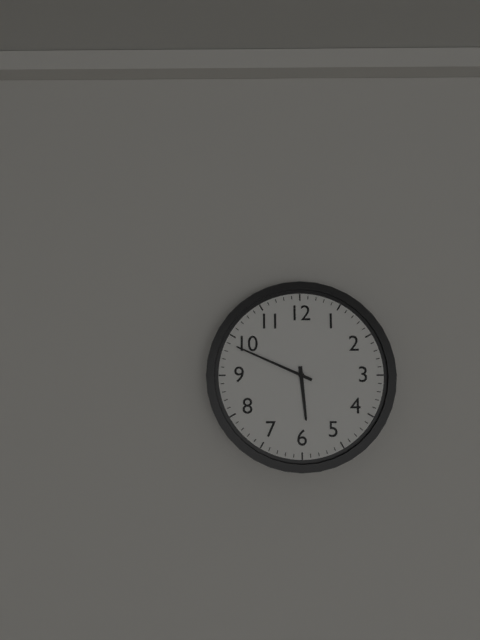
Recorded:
{"hour": 5, "minute": 49}
